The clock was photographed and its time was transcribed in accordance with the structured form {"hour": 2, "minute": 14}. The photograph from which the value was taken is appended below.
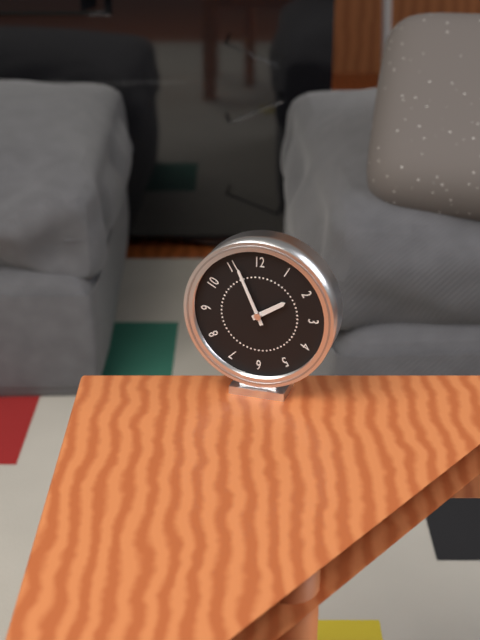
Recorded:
{"hour": 1, "minute": 56}
